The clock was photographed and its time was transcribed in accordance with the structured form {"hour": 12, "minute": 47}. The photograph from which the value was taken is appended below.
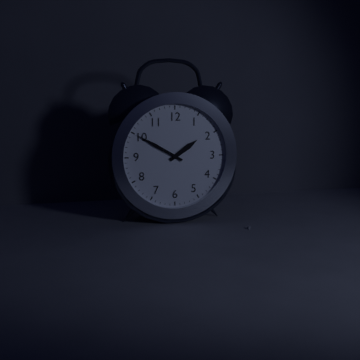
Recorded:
{"hour": 1, "minute": 50}
